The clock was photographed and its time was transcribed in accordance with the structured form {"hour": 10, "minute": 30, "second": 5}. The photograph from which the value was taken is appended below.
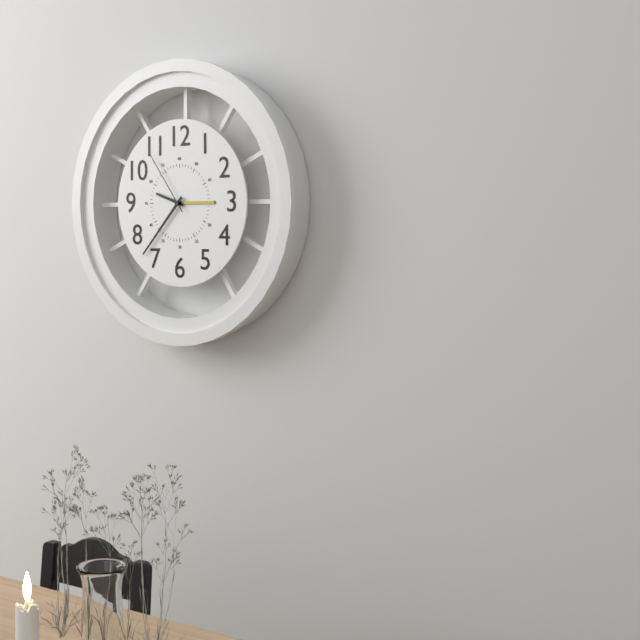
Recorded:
{"hour": 9, "minute": 37, "second": 54}
